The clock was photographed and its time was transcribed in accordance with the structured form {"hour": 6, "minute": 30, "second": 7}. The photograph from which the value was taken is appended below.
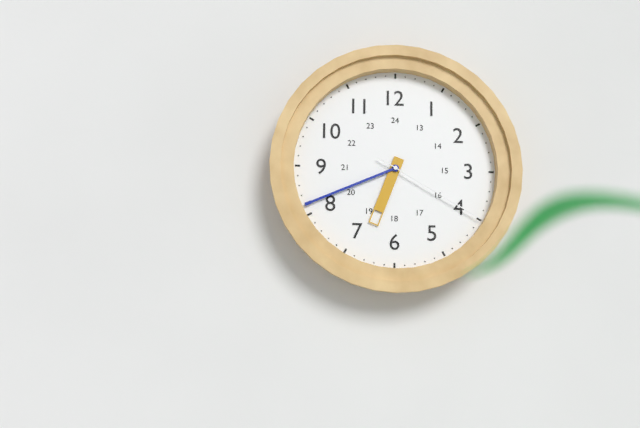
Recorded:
{"hour": 6, "minute": 41, "second": 20}
